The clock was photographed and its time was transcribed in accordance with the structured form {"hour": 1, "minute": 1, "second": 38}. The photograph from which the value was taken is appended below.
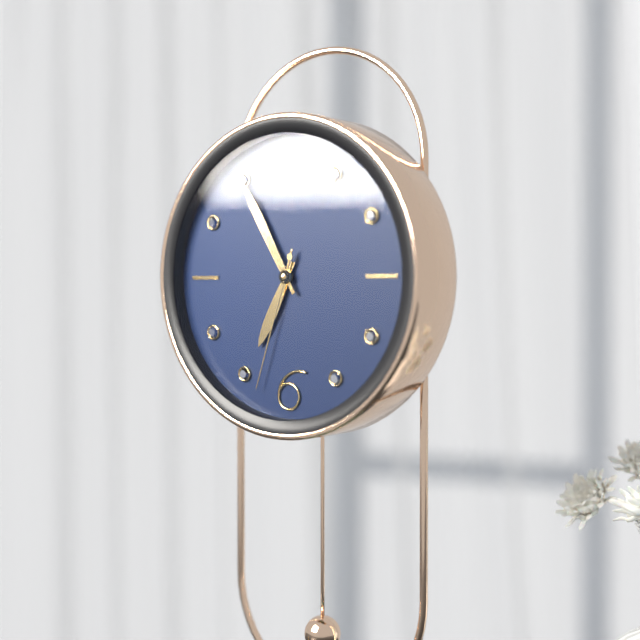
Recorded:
{"hour": 6, "minute": 55, "second": 33}
